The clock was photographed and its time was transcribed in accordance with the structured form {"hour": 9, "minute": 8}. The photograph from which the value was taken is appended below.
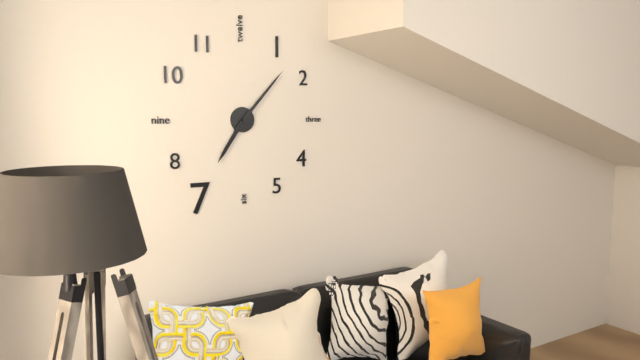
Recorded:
{"hour": 7, "minute": 7}
